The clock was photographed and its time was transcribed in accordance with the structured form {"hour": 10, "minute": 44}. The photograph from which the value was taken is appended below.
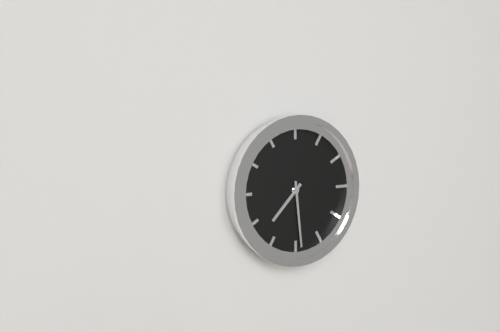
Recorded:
{"hour": 7, "minute": 29}
